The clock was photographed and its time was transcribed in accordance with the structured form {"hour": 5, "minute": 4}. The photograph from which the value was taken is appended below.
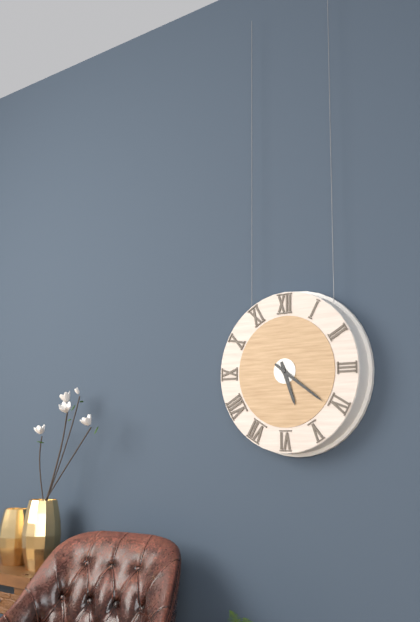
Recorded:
{"hour": 5, "minute": 21}
